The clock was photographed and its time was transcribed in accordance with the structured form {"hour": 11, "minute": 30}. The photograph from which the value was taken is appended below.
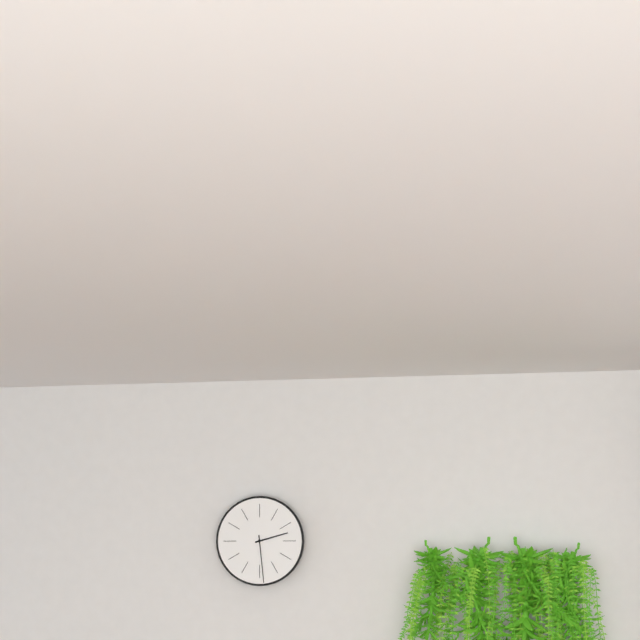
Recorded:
{"hour": 2, "minute": 29}
